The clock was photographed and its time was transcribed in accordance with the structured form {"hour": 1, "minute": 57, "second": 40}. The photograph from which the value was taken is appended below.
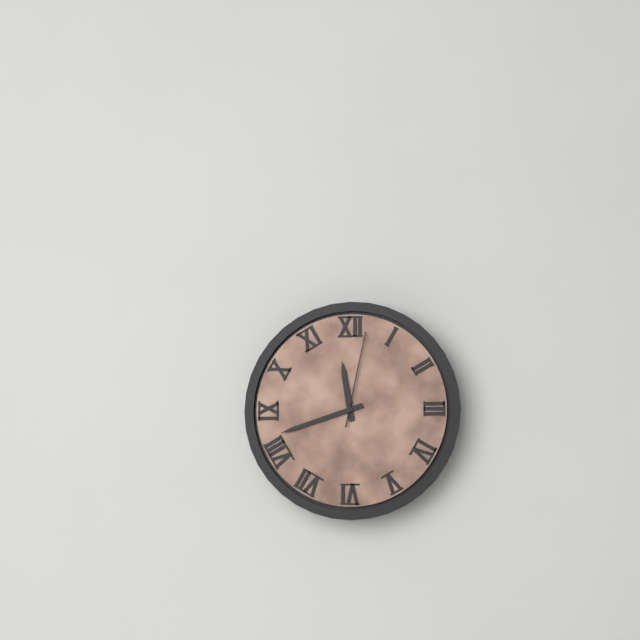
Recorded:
{"hour": 11, "minute": 42, "second": 2}
